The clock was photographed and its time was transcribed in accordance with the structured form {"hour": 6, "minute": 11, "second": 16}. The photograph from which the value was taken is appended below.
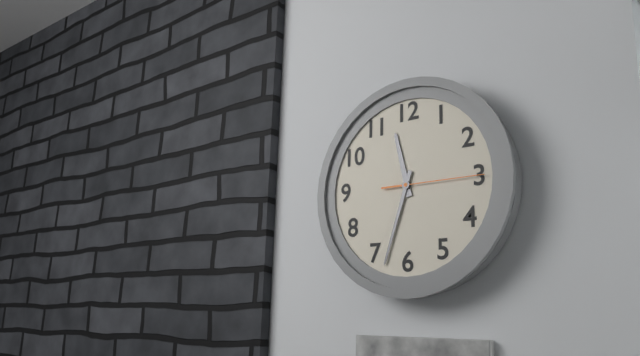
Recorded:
{"hour": 11, "minute": 33, "second": 15}
